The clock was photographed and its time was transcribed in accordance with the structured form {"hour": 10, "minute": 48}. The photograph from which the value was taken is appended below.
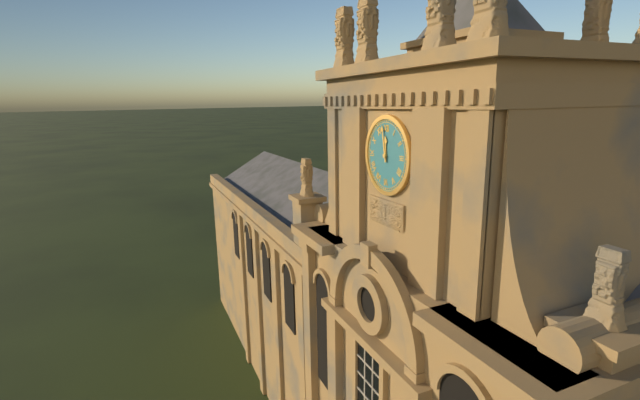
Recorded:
{"hour": 11, "minute": 58}
